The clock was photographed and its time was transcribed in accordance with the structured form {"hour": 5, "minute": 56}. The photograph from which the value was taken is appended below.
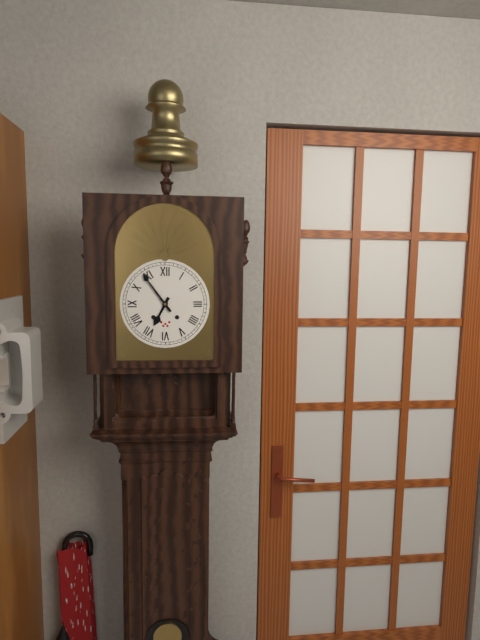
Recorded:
{"hour": 6, "minute": 54}
